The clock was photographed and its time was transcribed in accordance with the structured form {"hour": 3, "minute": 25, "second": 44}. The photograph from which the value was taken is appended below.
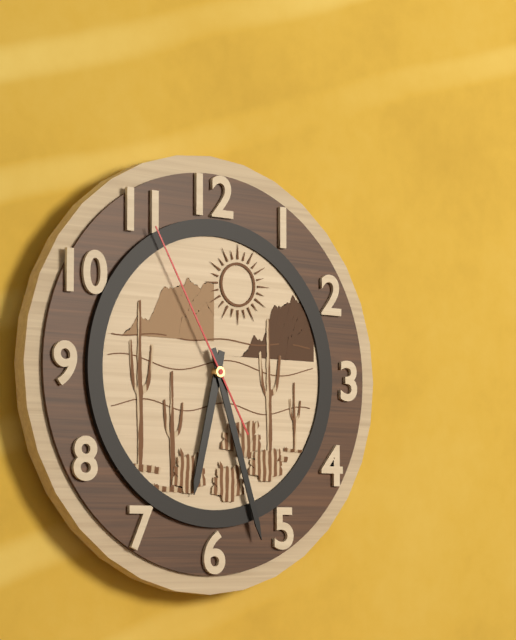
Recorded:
{"hour": 6, "minute": 27, "second": 55}
